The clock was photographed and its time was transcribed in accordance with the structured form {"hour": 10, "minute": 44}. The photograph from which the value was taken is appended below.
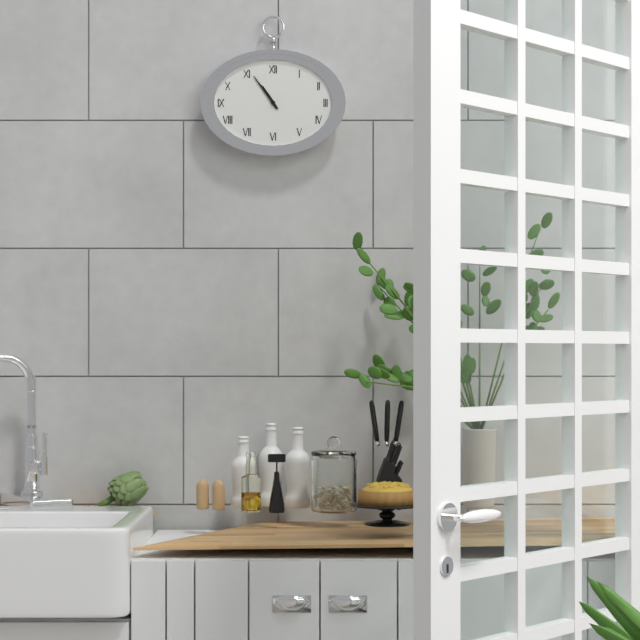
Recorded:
{"hour": 10, "minute": 54}
